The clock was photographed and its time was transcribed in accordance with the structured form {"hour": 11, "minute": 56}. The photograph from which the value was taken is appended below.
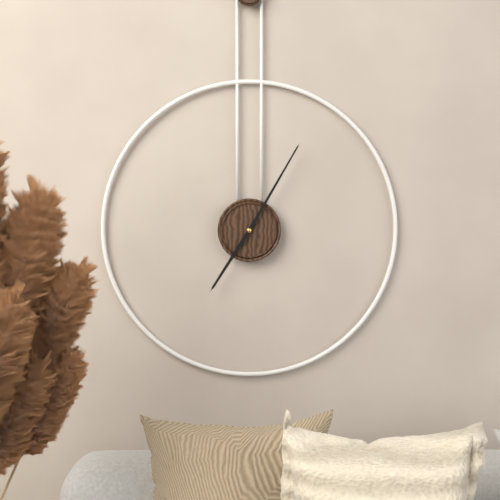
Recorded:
{"hour": 7, "minute": 5}
